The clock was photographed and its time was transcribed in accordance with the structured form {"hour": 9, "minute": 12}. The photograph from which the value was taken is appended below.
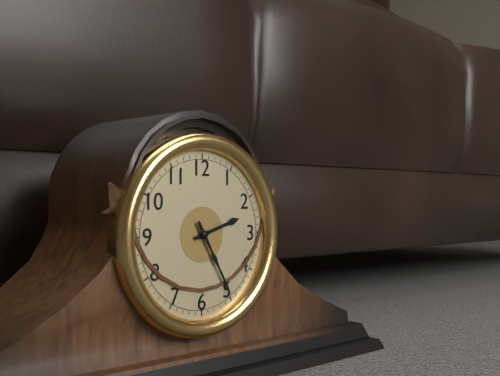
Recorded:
{"hour": 2, "minute": 25}
